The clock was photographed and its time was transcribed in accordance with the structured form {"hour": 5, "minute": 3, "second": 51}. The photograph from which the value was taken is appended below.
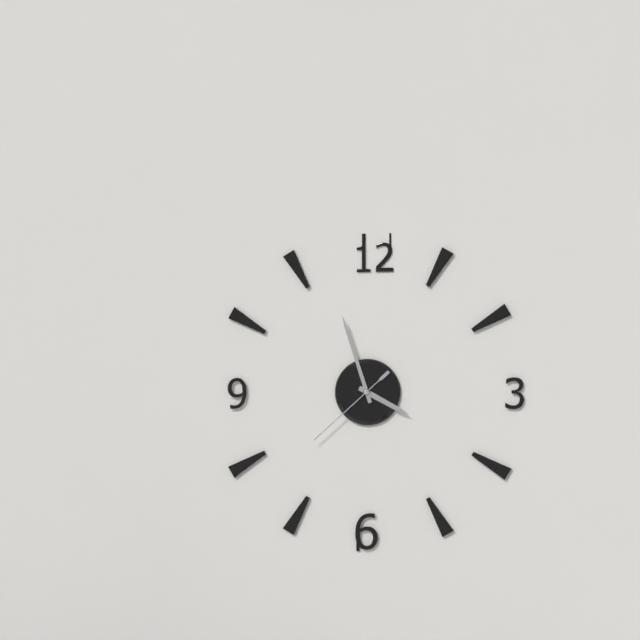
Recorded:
{"hour": 3, "minute": 57, "second": 38}
